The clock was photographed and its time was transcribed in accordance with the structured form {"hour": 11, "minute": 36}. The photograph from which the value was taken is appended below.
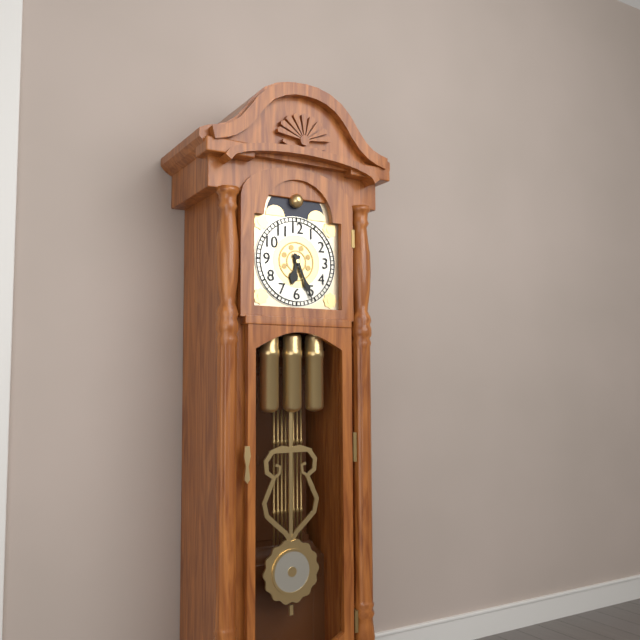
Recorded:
{"hour": 6, "minute": 26}
